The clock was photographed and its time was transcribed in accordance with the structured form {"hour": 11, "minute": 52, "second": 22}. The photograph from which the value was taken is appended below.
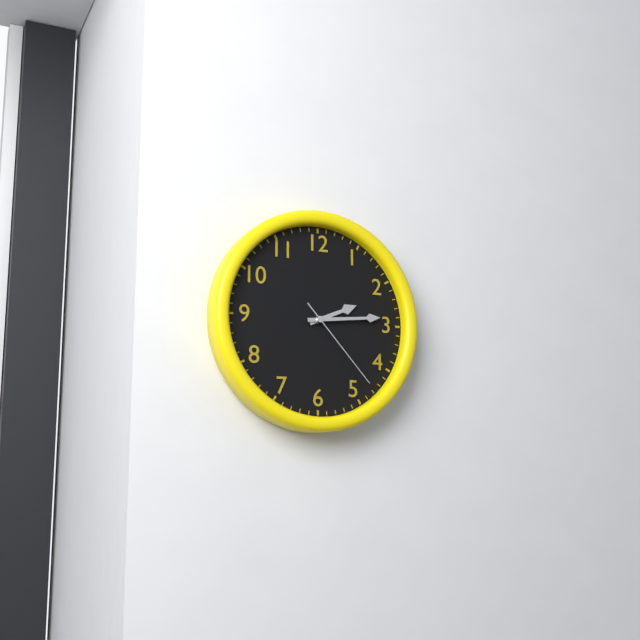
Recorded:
{"hour": 2, "minute": 14, "second": 23}
